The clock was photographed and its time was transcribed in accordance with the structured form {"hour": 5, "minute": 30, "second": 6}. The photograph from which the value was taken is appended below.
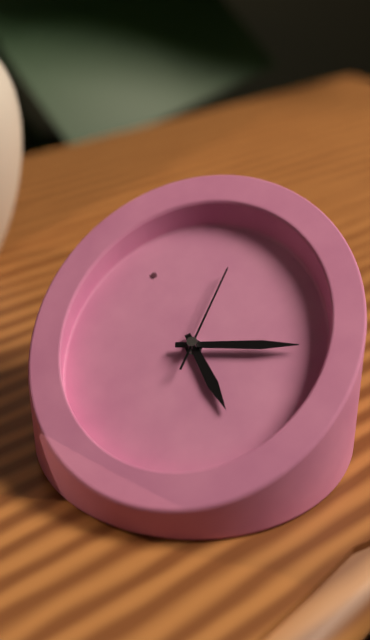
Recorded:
{"hour": 7, "minute": 27, "second": 15}
